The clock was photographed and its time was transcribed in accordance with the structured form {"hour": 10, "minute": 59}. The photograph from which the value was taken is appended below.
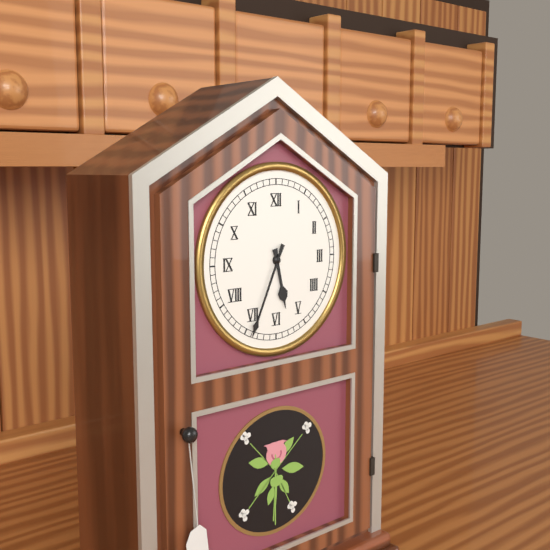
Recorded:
{"hour": 5, "minute": 34}
